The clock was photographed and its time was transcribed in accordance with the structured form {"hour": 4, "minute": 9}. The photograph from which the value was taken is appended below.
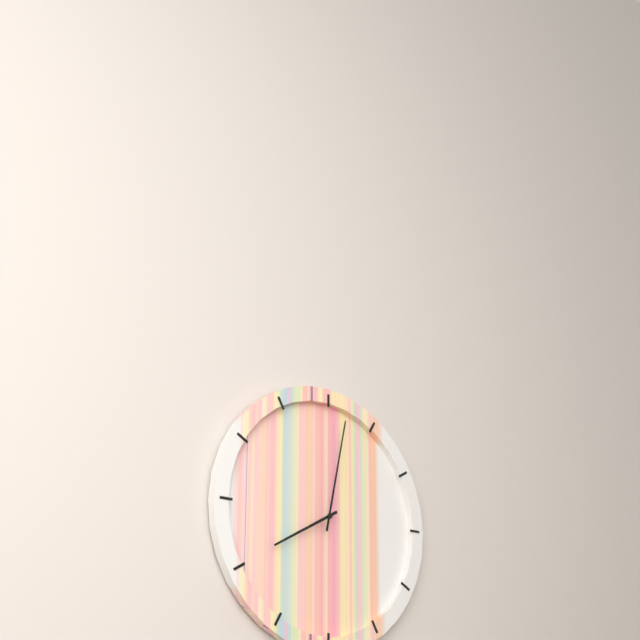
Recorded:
{"hour": 8, "minute": 2}
